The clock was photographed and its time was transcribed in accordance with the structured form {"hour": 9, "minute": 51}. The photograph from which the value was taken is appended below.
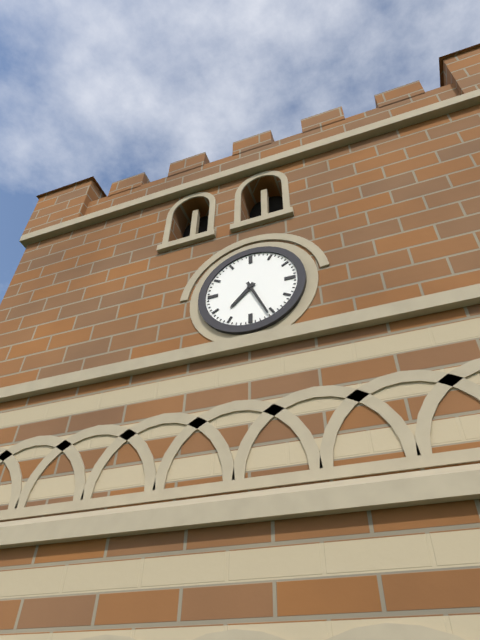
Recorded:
{"hour": 7, "minute": 26}
